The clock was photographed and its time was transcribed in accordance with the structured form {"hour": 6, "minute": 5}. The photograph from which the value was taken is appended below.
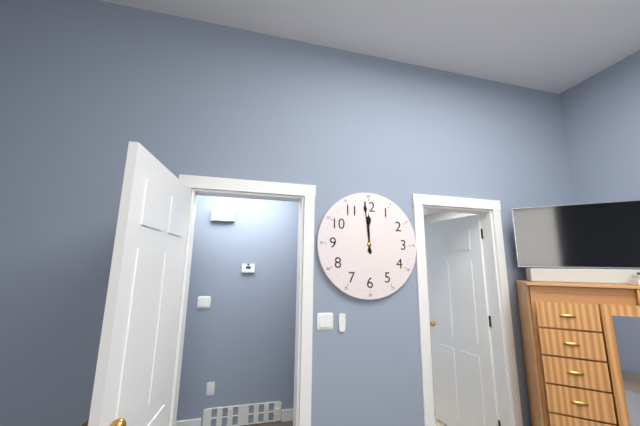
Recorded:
{"hour": 11, "minute": 59}
